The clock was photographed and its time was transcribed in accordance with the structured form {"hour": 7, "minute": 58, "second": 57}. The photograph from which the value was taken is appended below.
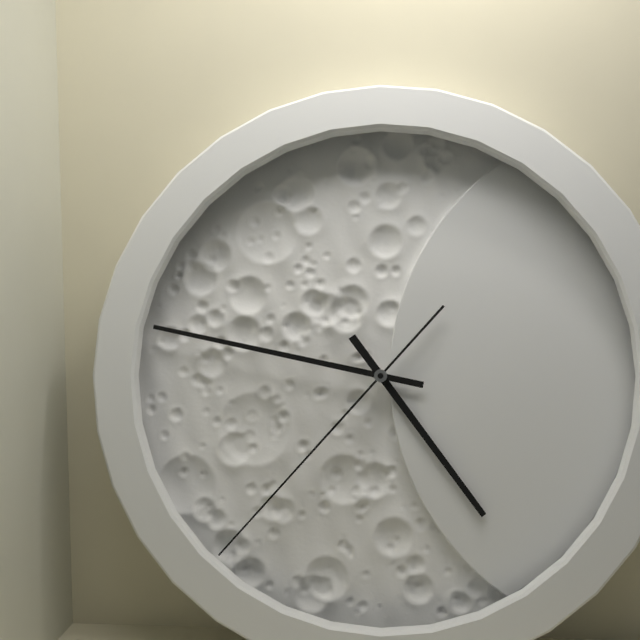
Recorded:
{"hour": 4, "minute": 47, "second": 37}
